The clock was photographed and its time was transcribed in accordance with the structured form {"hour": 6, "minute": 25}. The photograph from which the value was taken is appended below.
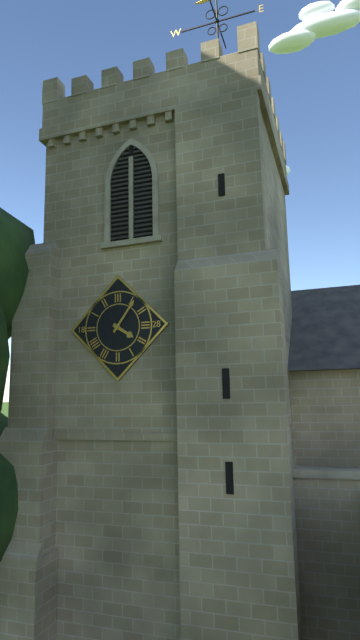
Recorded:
{"hour": 4, "minute": 6}
